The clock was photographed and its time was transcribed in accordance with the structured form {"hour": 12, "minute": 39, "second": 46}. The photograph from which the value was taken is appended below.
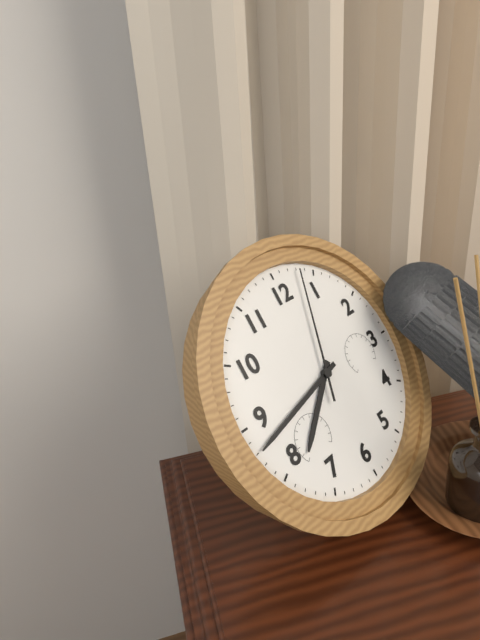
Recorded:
{"hour": 7, "minute": 43, "second": 3}
